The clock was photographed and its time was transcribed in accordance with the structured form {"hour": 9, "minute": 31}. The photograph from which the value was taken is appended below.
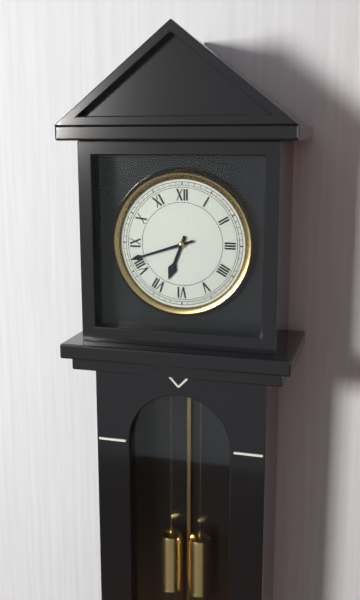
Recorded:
{"hour": 6, "minute": 42}
